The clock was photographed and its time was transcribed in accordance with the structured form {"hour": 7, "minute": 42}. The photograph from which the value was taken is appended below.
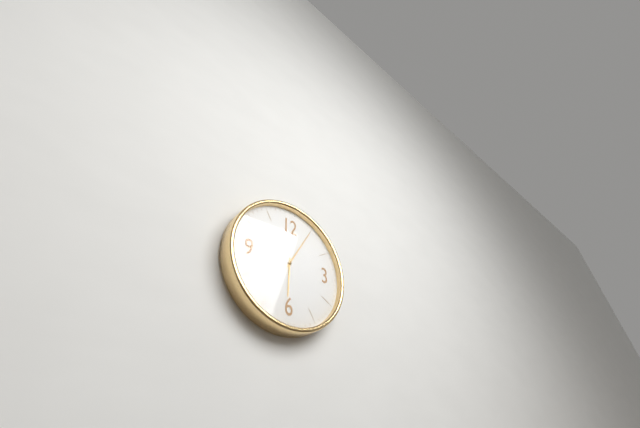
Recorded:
{"hour": 6, "minute": 5}
